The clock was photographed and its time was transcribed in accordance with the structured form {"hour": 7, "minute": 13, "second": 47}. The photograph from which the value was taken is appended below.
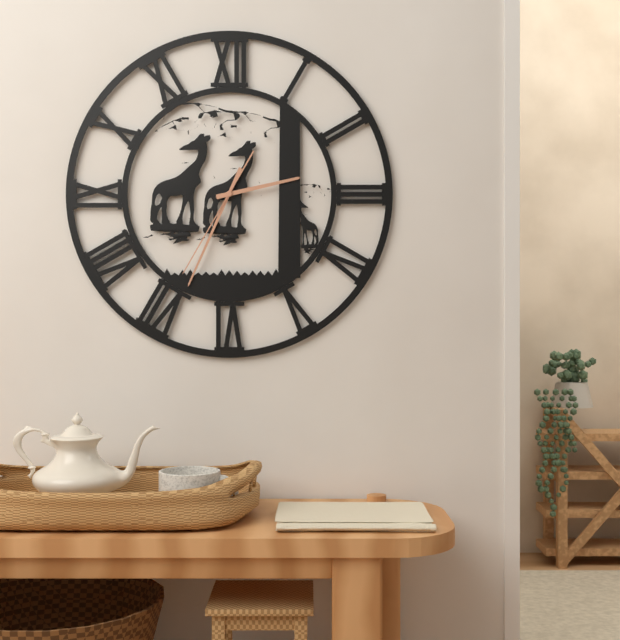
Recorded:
{"hour": 2, "minute": 34, "second": 35}
